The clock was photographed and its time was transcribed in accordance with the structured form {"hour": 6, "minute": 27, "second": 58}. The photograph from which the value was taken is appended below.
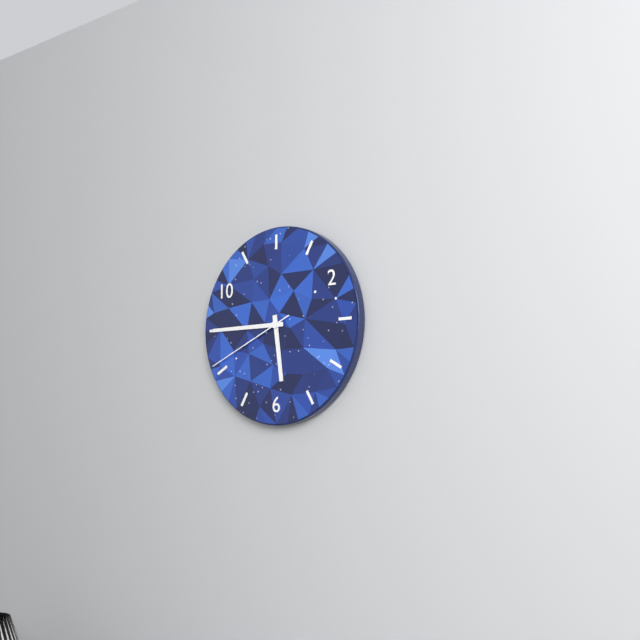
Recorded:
{"hour": 5, "minute": 45, "second": 41}
